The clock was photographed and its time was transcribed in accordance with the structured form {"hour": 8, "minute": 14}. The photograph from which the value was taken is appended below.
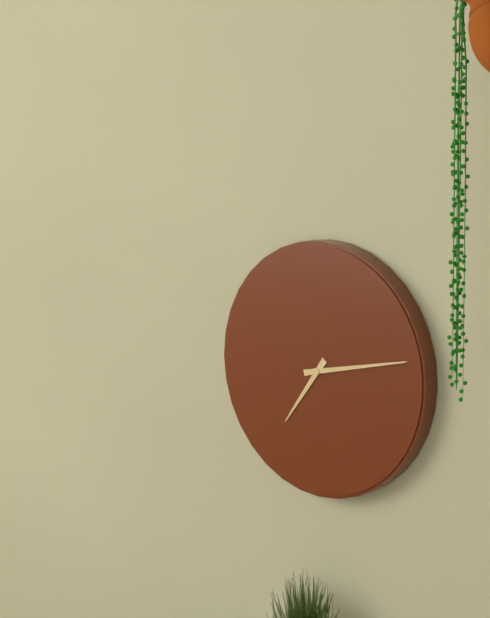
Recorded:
{"hour": 7, "minute": 13}
